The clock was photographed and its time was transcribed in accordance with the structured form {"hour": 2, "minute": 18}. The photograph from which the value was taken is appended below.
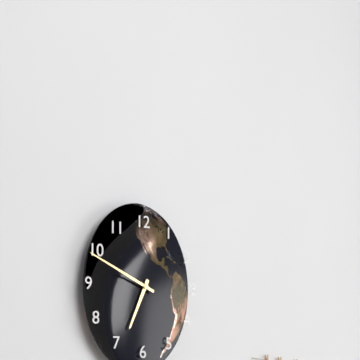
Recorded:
{"hour": 6, "minute": 49}
